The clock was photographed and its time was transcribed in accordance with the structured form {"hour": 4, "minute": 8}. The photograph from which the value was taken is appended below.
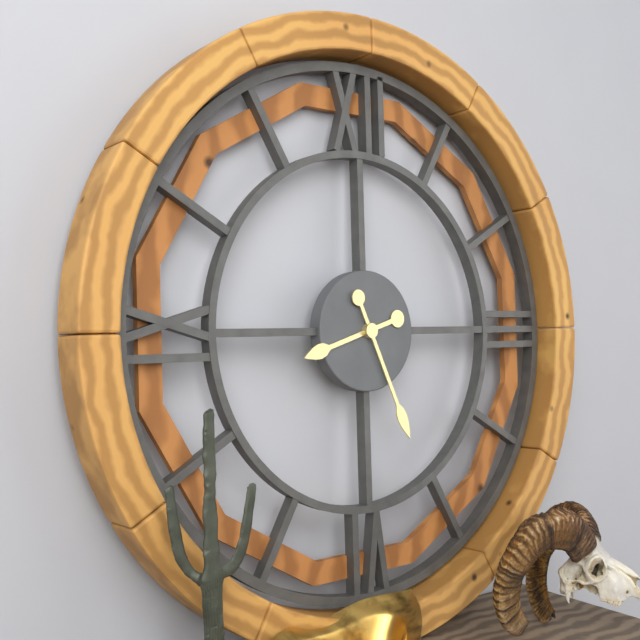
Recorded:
{"hour": 8, "minute": 26}
